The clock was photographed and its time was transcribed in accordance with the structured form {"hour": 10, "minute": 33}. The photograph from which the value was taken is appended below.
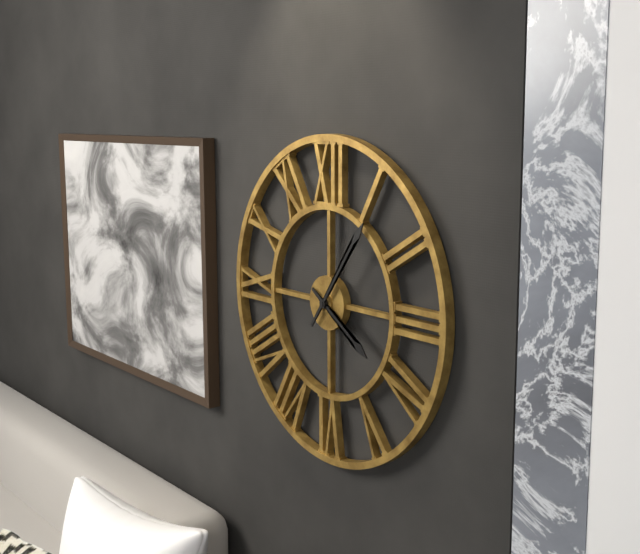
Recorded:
{"hour": 4, "minute": 6}
